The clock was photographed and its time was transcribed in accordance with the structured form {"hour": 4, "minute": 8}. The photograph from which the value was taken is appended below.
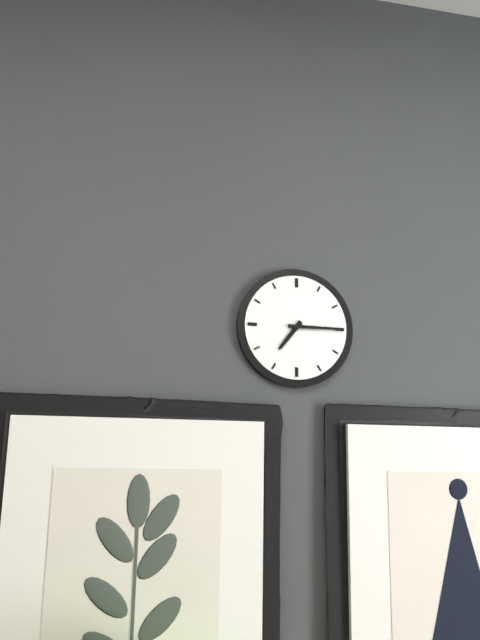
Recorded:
{"hour": 7, "minute": 15}
